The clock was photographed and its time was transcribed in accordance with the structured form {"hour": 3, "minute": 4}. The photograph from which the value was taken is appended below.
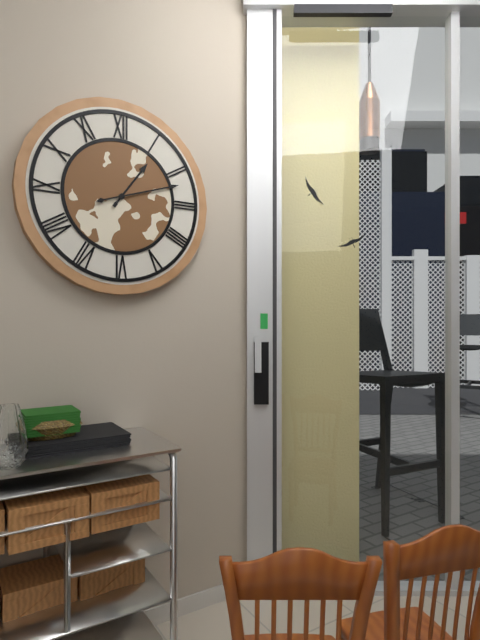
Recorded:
{"hour": 1, "minute": 12}
